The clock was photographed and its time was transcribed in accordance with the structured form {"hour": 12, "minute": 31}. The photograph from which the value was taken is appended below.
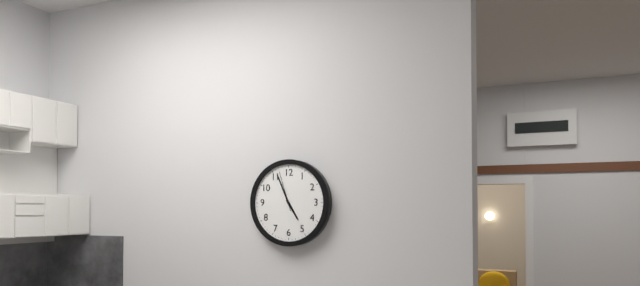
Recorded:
{"hour": 4, "minute": 56}
